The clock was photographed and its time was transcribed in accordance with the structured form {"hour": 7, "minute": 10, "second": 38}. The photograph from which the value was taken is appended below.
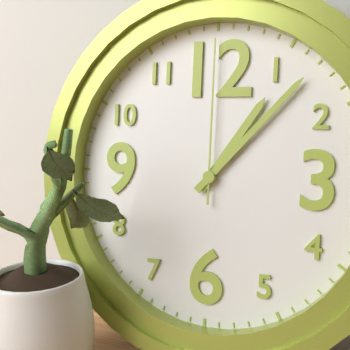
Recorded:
{"hour": 1, "minute": 7, "second": 0}
